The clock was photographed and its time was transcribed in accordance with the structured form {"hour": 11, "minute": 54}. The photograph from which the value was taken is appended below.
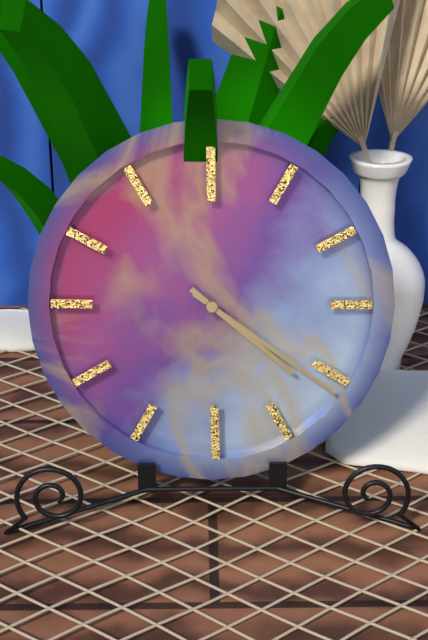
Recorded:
{"hour": 4, "minute": 21}
